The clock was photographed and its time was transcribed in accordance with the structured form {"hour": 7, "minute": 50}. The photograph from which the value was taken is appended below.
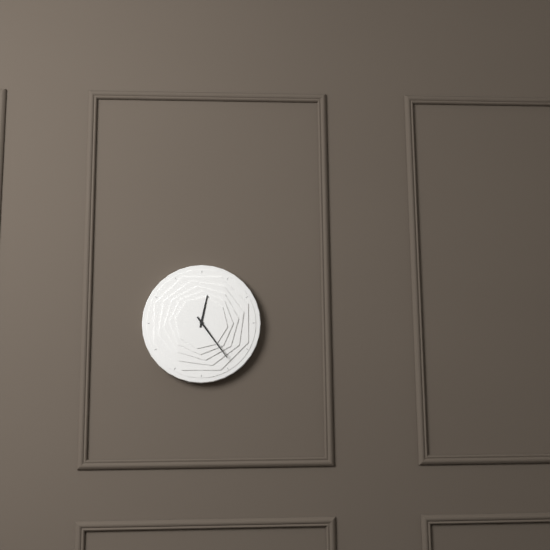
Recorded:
{"hour": 12, "minute": 24}
